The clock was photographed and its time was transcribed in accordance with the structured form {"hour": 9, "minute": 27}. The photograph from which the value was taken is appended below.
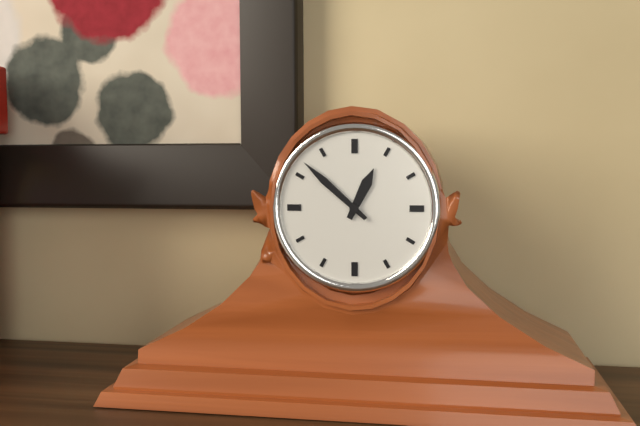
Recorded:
{"hour": 12, "minute": 52}
